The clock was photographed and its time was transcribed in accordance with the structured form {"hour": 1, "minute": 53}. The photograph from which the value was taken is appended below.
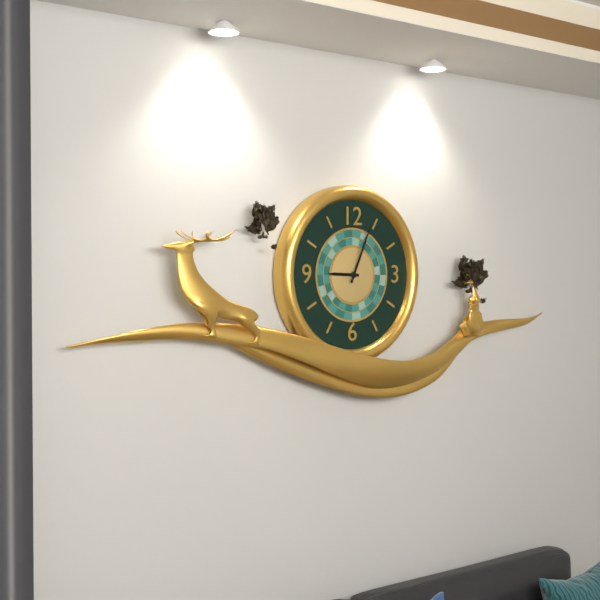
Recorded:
{"hour": 9, "minute": 4}
